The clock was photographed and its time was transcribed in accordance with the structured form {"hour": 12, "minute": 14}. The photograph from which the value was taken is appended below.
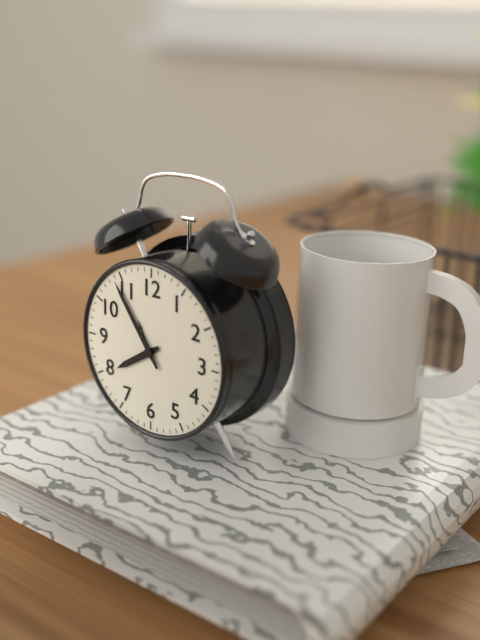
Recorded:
{"hour": 7, "minute": 54}
